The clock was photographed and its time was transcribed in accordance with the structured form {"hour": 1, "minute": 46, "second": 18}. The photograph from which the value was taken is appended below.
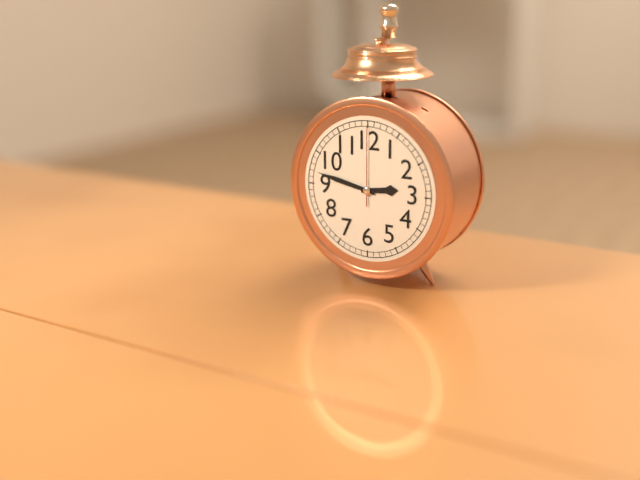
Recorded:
{"hour": 2, "minute": 47, "second": 0}
